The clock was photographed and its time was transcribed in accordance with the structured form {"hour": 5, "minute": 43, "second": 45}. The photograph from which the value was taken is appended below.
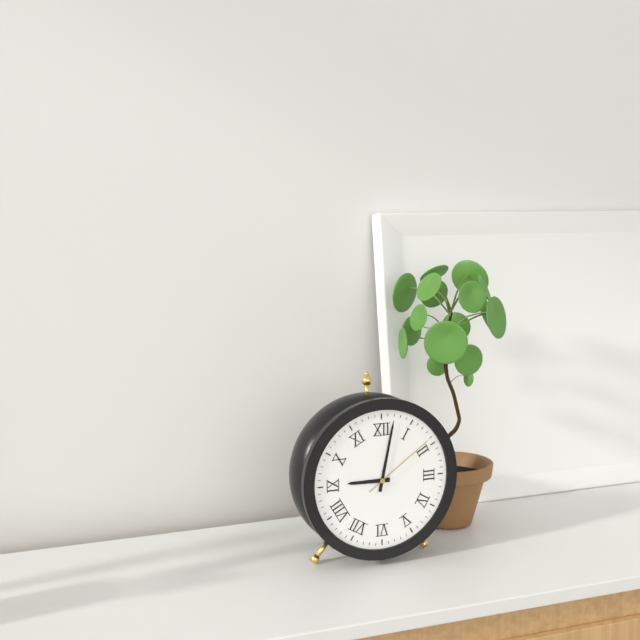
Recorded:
{"hour": 9, "minute": 2, "second": 9}
